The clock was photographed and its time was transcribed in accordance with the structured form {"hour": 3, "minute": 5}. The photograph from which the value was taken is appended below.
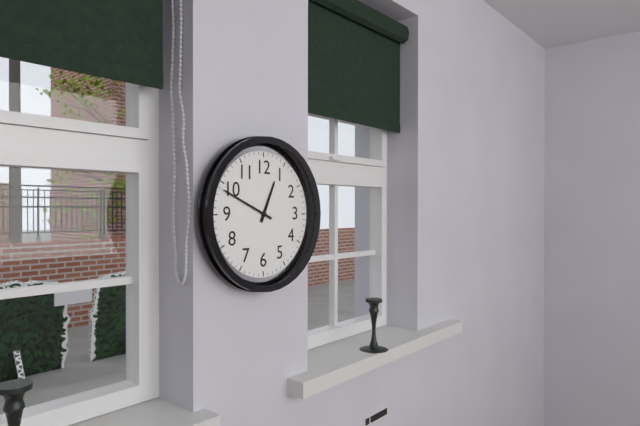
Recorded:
{"hour": 12, "minute": 49}
